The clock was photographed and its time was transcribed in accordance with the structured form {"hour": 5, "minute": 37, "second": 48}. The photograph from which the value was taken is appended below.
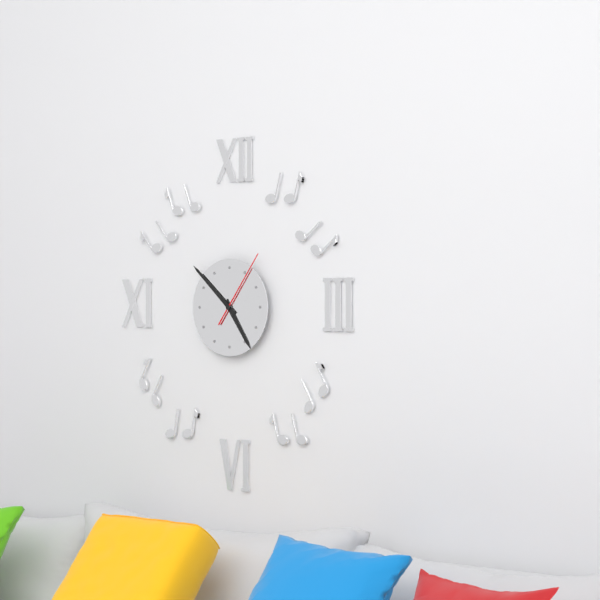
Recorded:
{"hour": 4, "minute": 52, "second": 6}
